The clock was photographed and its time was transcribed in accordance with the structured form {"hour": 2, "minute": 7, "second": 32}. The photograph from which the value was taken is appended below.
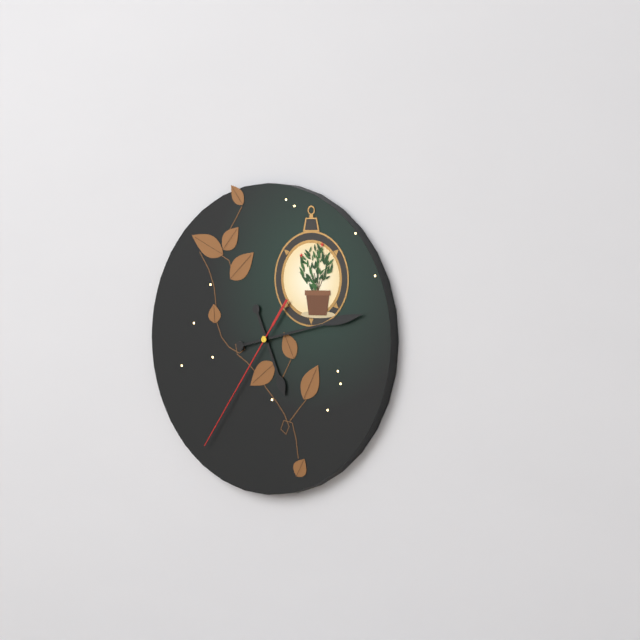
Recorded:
{"hour": 5, "minute": 13, "second": 36}
